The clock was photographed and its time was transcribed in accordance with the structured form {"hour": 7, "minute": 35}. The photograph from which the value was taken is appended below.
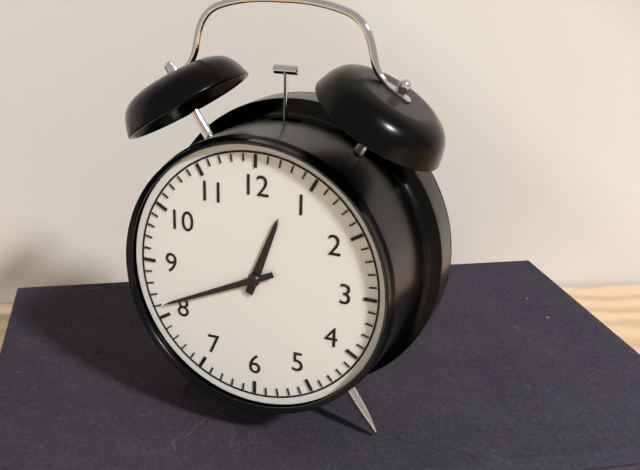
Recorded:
{"hour": 12, "minute": 41}
